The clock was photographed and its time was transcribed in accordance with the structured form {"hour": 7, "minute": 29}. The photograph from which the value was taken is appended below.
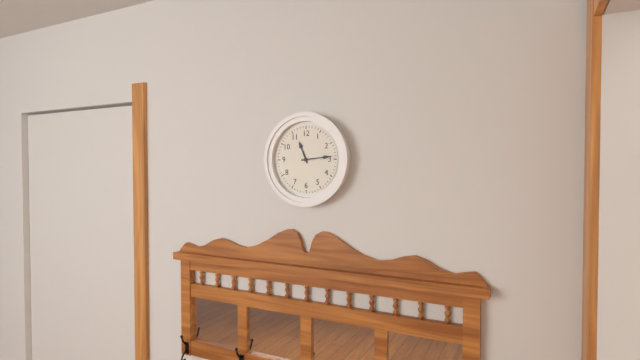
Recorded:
{"hour": 11, "minute": 14}
